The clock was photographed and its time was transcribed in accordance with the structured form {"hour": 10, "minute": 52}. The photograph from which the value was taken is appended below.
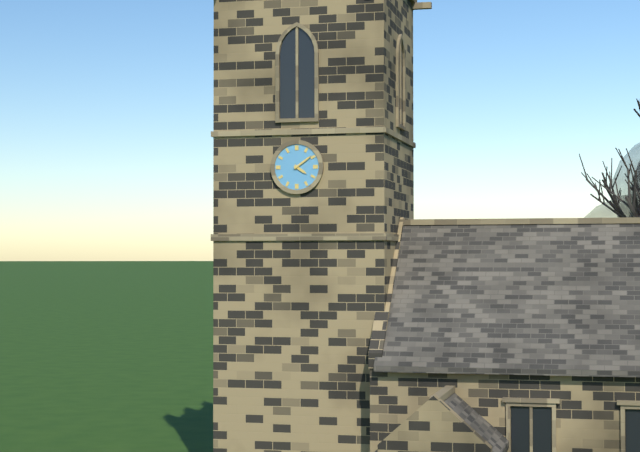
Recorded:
{"hour": 4, "minute": 9}
